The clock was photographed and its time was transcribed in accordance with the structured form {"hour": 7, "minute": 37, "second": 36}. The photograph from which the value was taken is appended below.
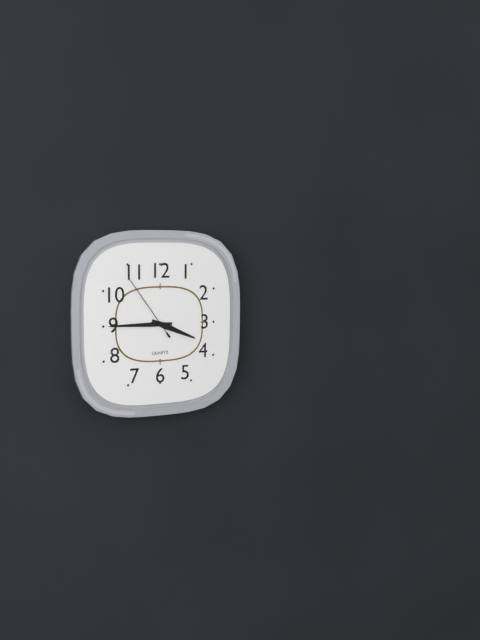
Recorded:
{"hour": 3, "minute": 45, "second": 54}
